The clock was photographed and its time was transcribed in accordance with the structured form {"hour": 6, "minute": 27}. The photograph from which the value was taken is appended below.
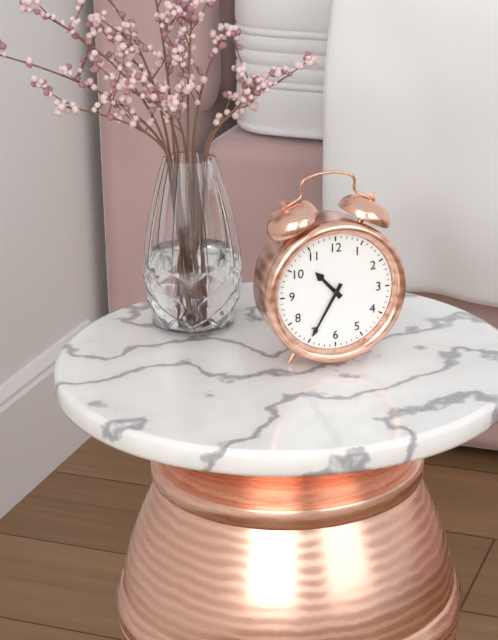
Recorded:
{"hour": 10, "minute": 35}
